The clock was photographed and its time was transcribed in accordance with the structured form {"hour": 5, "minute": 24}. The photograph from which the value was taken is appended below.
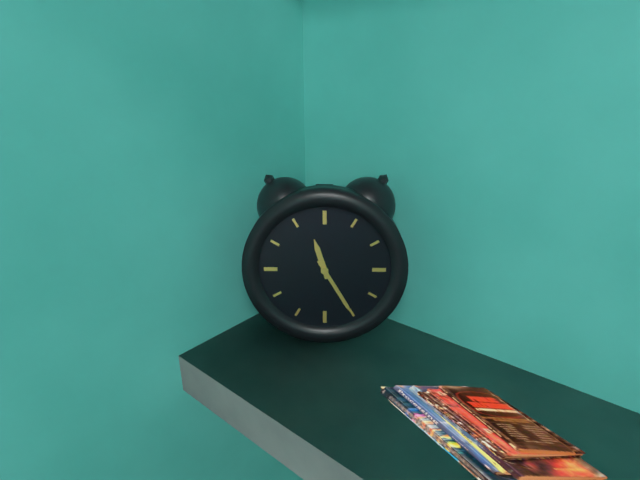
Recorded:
{"hour": 11, "minute": 25}
